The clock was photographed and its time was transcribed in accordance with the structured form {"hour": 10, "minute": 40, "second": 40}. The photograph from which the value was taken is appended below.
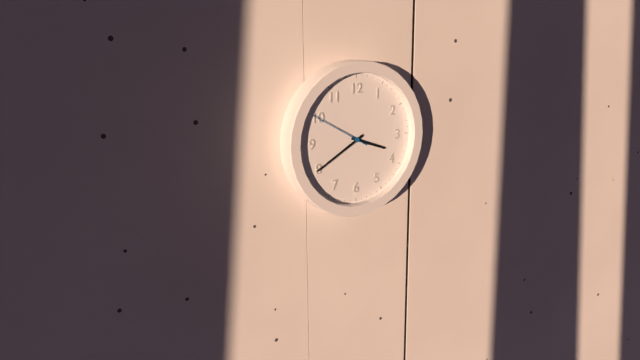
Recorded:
{"hour": 3, "minute": 40, "second": 50}
